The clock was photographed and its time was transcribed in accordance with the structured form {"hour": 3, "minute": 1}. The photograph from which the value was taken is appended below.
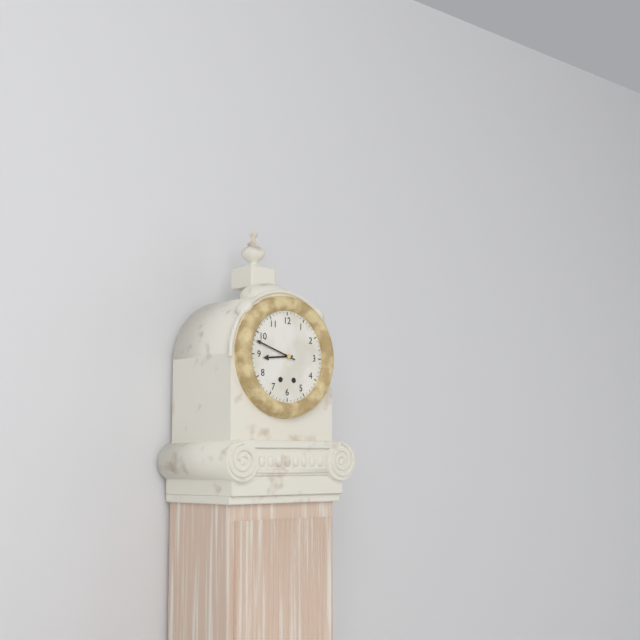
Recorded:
{"hour": 8, "minute": 48}
